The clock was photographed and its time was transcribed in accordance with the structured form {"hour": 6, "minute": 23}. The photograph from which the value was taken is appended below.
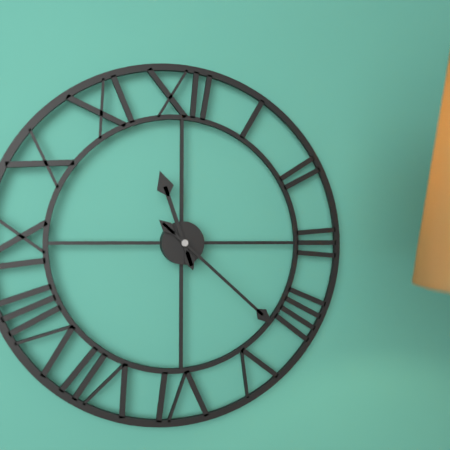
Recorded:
{"hour": 11, "minute": 22}
